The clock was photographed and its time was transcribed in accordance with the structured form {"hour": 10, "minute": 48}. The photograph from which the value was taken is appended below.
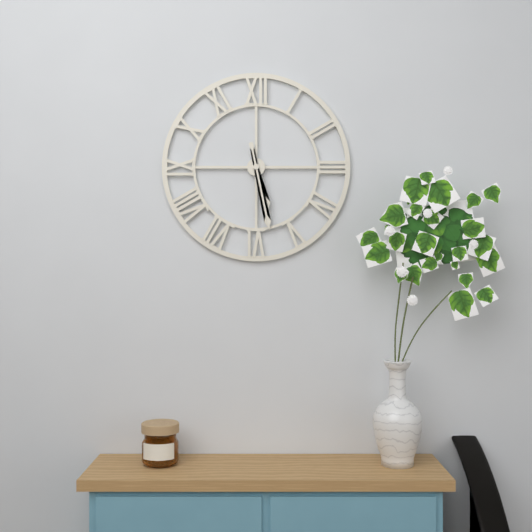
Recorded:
{"hour": 5, "minute": 28}
